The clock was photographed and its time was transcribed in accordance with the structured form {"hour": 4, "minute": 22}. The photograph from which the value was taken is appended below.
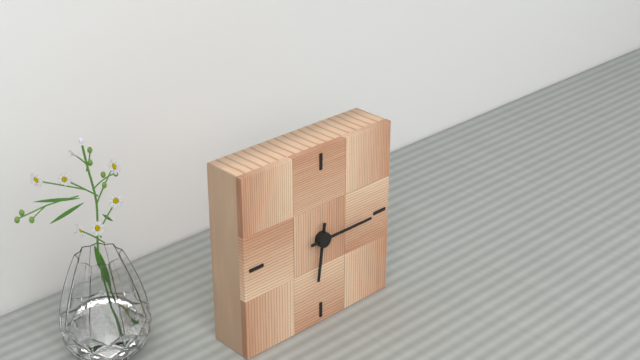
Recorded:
{"hour": 6, "minute": 15}
